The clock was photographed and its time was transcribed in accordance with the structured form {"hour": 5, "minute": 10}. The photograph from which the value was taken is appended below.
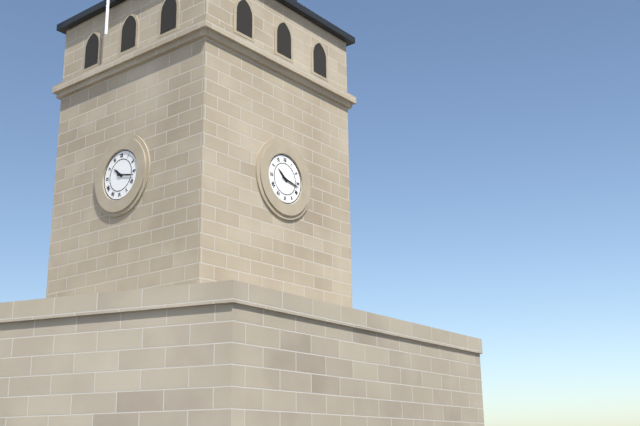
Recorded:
{"hour": 10, "minute": 17}
